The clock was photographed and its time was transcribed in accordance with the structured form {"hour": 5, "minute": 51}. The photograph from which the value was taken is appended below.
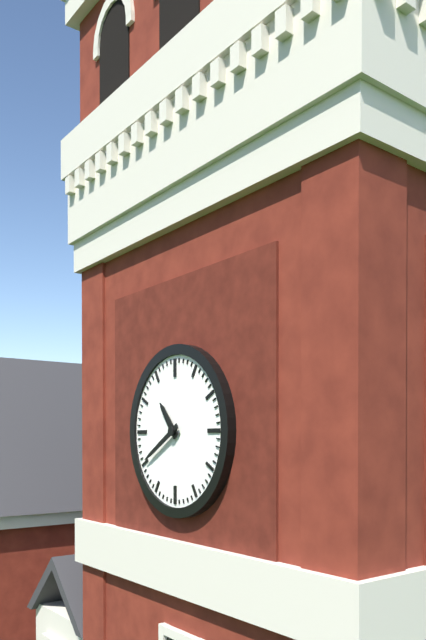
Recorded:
{"hour": 10, "minute": 40}
